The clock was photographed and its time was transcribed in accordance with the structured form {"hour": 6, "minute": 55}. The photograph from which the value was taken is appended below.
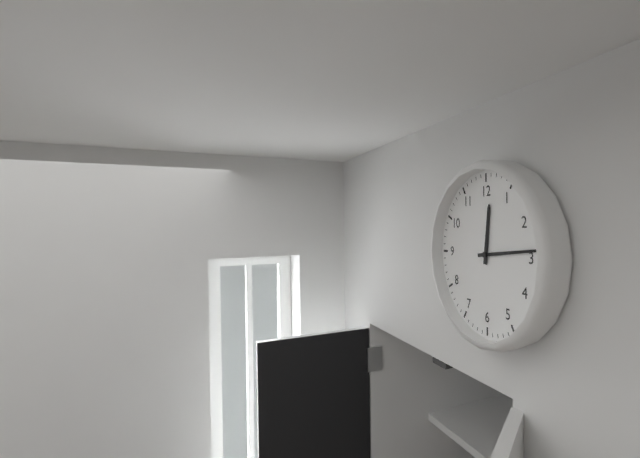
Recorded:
{"hour": 12, "minute": 14}
